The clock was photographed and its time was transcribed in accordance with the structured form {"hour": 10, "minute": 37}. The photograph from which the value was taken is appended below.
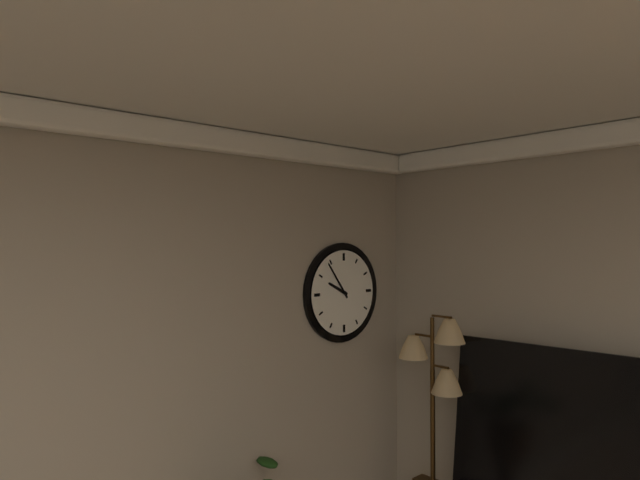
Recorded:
{"hour": 9, "minute": 54}
